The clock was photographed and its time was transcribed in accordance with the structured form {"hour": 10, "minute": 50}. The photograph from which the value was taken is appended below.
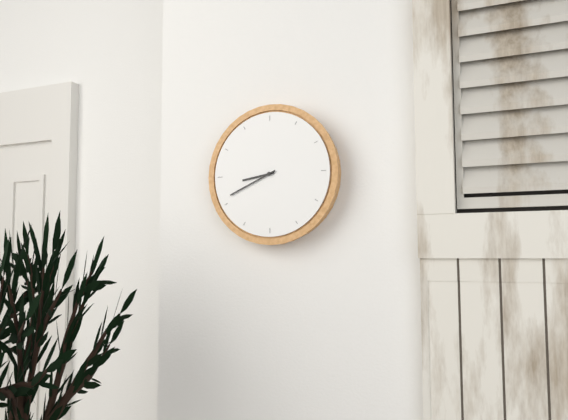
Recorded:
{"hour": 8, "minute": 41}
